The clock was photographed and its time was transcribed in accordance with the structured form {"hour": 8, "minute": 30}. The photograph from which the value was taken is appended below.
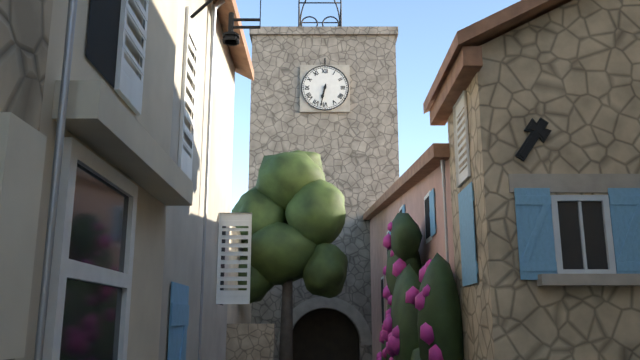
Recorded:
{"hour": 6, "minute": 32}
